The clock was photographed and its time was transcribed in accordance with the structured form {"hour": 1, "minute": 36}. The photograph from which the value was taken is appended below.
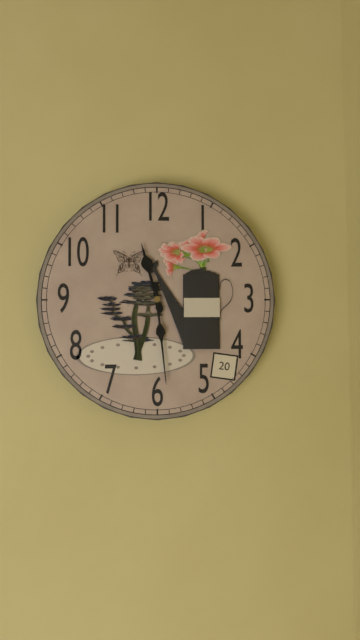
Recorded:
{"hour": 11, "minute": 29}
